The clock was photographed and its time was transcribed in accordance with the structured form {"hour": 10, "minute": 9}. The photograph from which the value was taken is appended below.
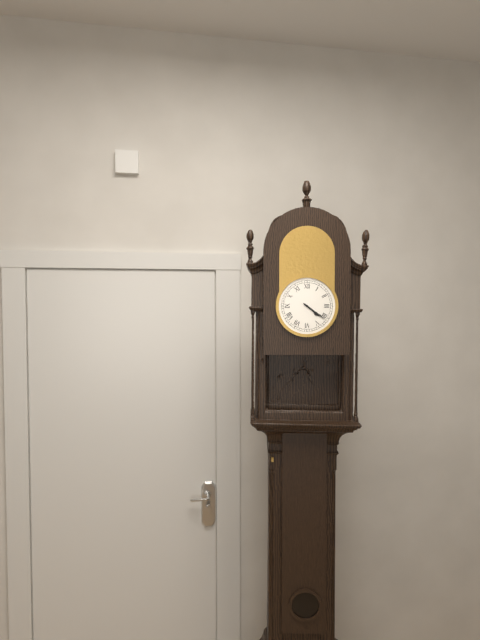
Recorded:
{"hour": 4, "minute": 21}
